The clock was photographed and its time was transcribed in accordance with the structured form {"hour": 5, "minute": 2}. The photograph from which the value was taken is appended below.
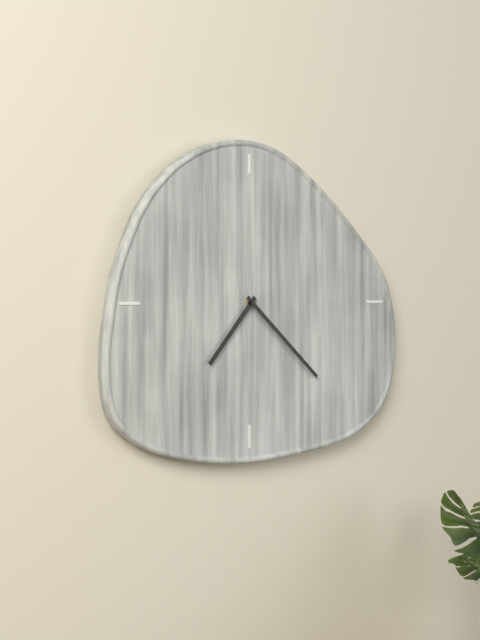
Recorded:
{"hour": 7, "minute": 22}
